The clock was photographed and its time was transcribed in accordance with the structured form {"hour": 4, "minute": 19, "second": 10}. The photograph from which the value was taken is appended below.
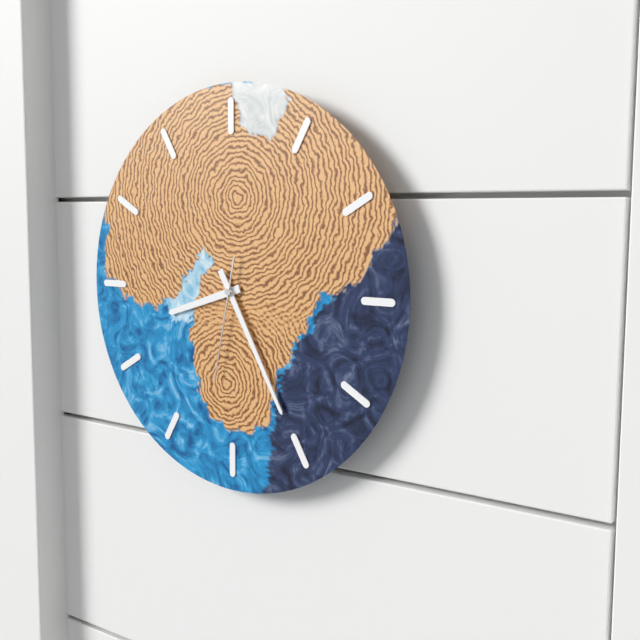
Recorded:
{"hour": 8, "minute": 25, "second": 32}
